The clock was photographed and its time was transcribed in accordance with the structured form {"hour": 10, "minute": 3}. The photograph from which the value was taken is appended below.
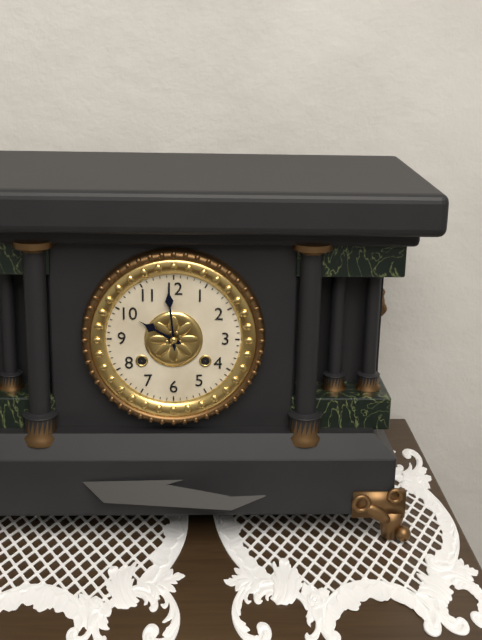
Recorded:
{"hour": 9, "minute": 59}
